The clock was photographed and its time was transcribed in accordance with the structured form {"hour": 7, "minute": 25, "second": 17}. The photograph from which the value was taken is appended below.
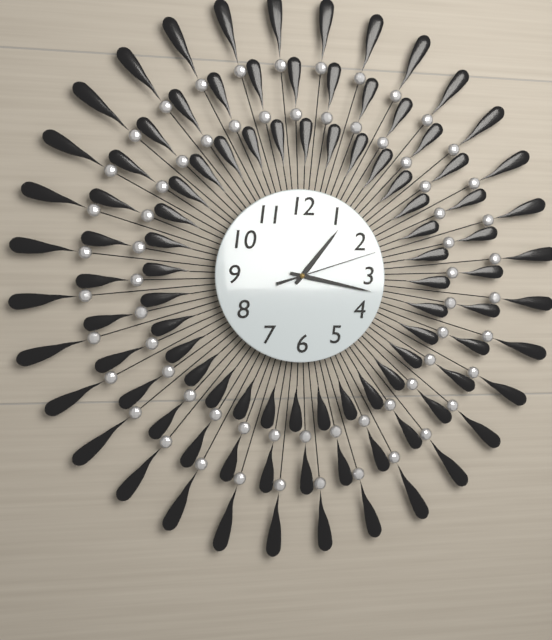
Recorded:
{"hour": 1, "minute": 17, "second": 12}
